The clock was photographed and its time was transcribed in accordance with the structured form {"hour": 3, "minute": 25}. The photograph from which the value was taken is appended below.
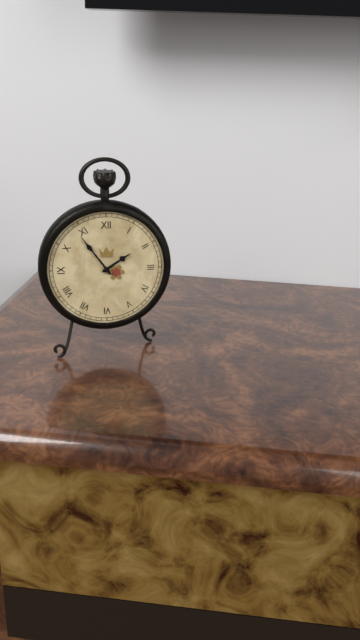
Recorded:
{"hour": 1, "minute": 54}
